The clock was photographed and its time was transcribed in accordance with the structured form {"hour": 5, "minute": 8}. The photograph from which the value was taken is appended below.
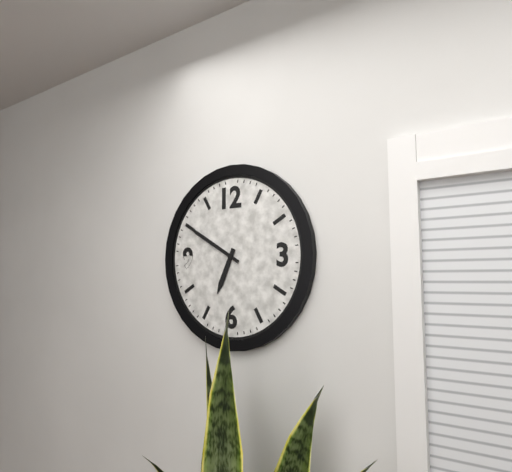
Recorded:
{"hour": 6, "minute": 50}
